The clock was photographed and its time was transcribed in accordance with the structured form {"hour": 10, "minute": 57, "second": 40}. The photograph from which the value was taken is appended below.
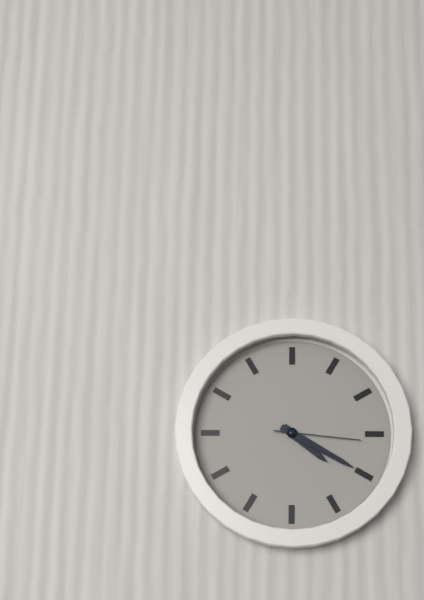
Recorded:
{"hour": 4, "minute": 20, "second": 16}
